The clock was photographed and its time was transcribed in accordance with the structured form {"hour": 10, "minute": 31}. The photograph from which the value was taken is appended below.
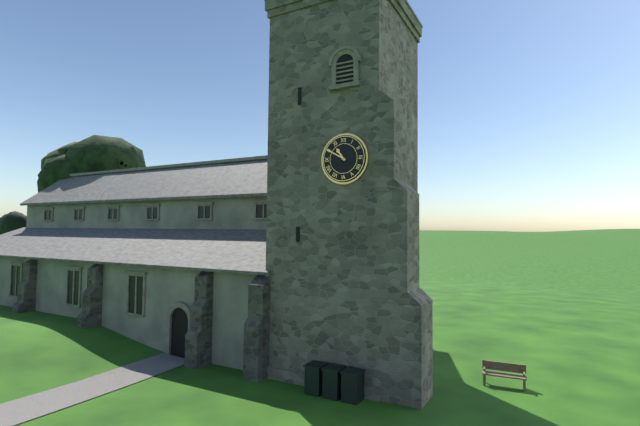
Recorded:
{"hour": 10, "minute": 50}
